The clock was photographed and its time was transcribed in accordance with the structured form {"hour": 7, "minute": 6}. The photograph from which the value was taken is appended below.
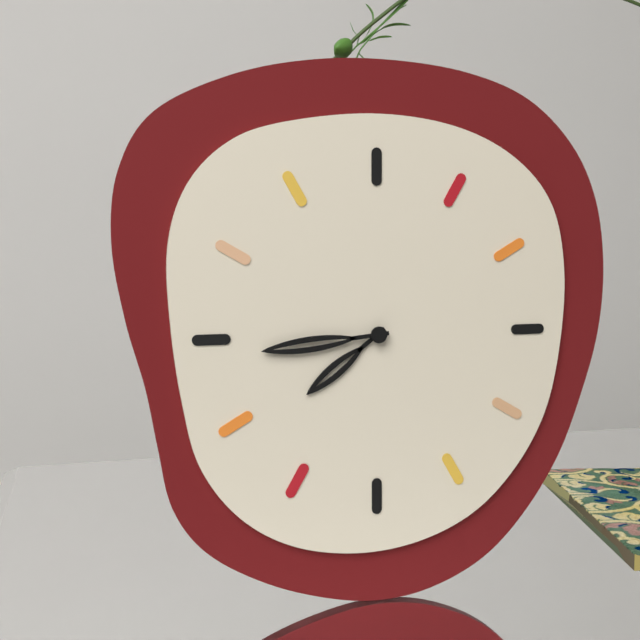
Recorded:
{"hour": 7, "minute": 44}
